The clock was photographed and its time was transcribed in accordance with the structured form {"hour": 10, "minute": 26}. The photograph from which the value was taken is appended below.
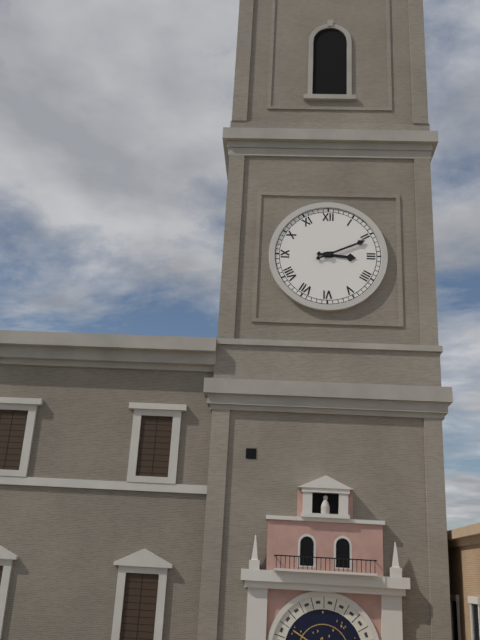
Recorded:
{"hour": 3, "minute": 11}
